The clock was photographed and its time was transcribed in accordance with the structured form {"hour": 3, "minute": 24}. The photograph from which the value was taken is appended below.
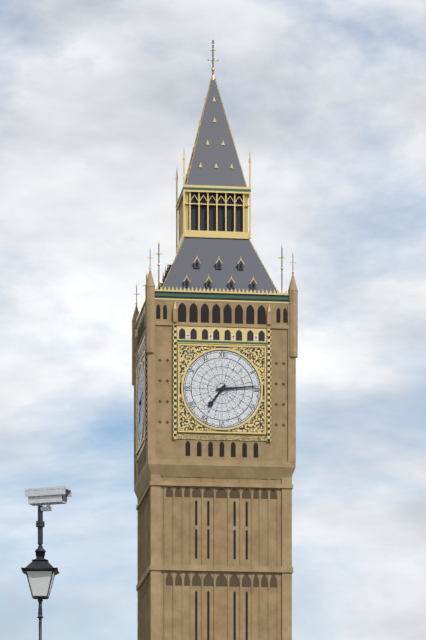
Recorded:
{"hour": 7, "minute": 14}
